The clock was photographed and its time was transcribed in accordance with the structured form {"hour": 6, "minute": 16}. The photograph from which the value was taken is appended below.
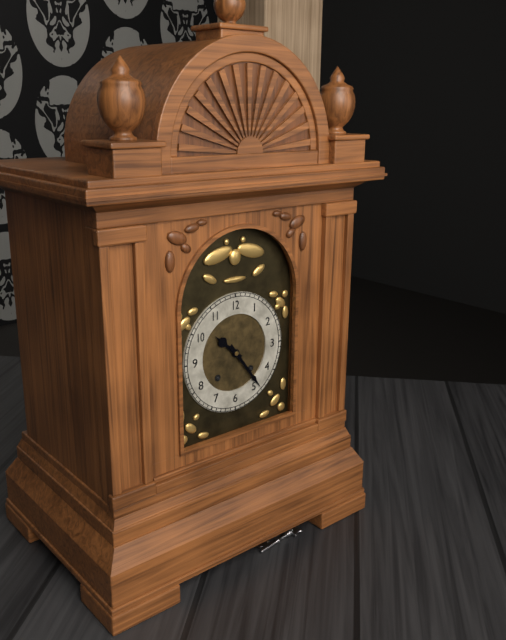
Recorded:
{"hour": 10, "minute": 24}
